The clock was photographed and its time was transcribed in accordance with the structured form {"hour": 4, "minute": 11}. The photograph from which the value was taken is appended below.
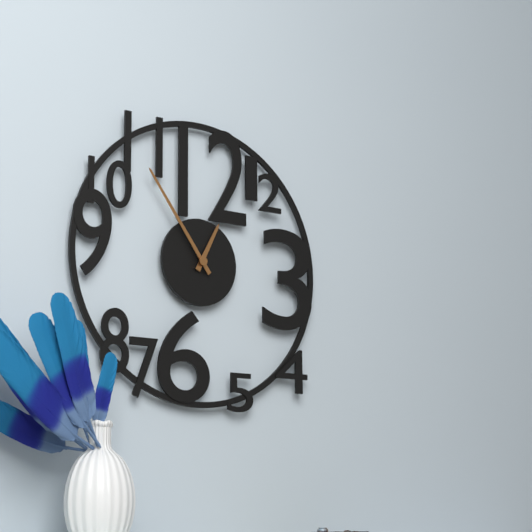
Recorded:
{"hour": 12, "minute": 54}
